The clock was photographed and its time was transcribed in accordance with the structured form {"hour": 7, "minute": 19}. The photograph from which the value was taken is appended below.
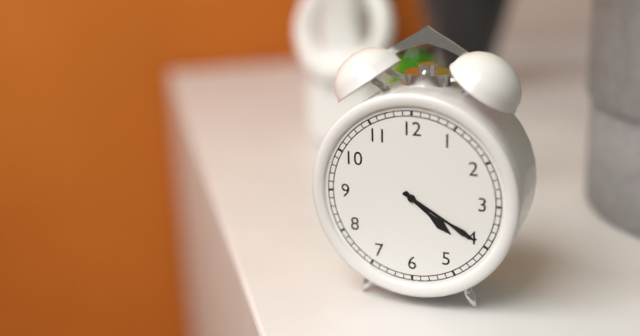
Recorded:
{"hour": 4, "minute": 20}
